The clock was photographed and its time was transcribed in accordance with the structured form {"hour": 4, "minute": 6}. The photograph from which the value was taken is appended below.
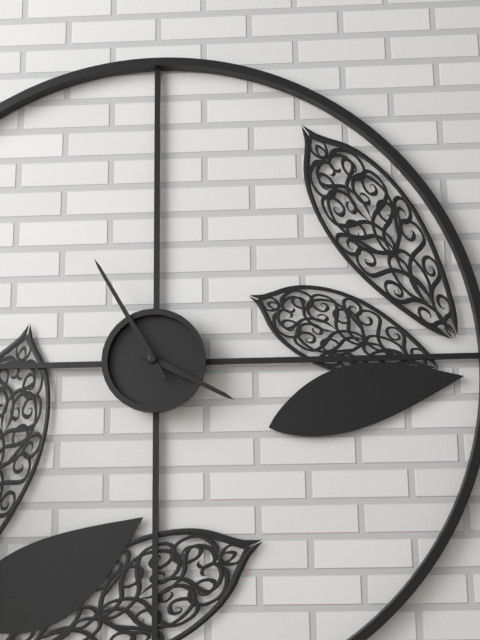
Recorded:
{"hour": 3, "minute": 55}
